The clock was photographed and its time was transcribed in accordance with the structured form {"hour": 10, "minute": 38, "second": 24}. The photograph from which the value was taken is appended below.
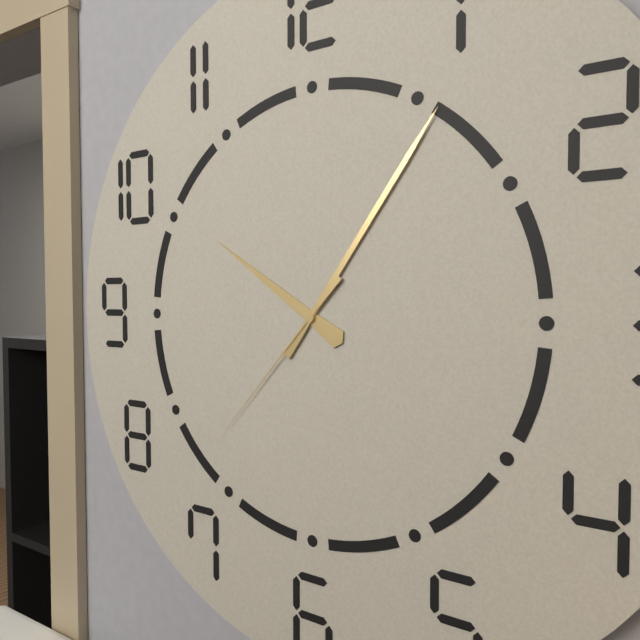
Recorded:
{"hour": 10, "minute": 6, "second": 37}
